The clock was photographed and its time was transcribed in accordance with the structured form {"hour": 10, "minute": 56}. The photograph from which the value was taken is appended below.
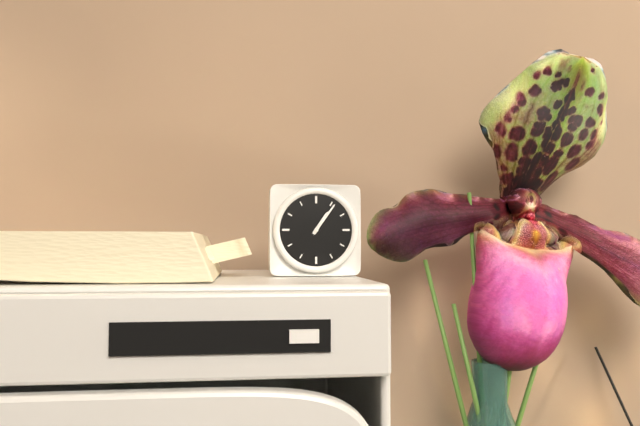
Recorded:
{"hour": 1, "minute": 6}
